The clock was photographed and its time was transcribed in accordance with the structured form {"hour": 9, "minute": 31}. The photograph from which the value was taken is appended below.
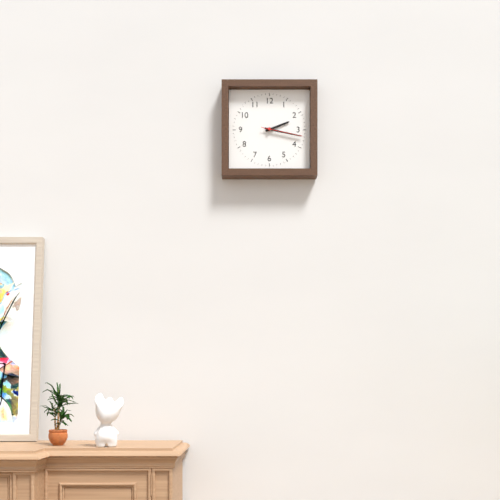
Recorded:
{"hour": 2, "minute": 17}
